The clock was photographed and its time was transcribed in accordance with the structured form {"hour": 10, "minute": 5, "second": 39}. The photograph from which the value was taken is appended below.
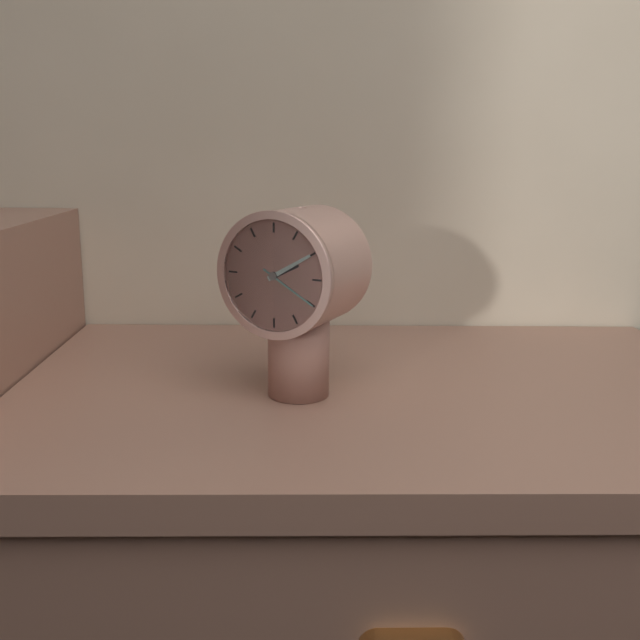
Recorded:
{"hour": 2, "minute": 10, "second": 20}
